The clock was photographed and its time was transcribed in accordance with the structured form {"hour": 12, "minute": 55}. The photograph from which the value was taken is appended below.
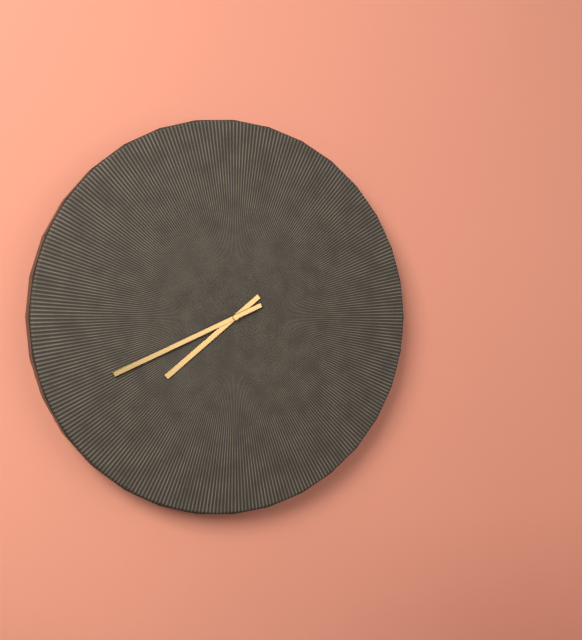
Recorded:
{"hour": 7, "minute": 41}
